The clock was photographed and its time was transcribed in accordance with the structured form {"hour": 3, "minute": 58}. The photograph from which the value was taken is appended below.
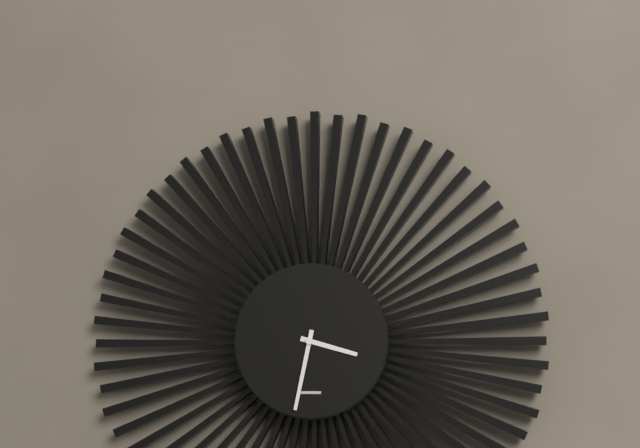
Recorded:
{"hour": 3, "minute": 32}
